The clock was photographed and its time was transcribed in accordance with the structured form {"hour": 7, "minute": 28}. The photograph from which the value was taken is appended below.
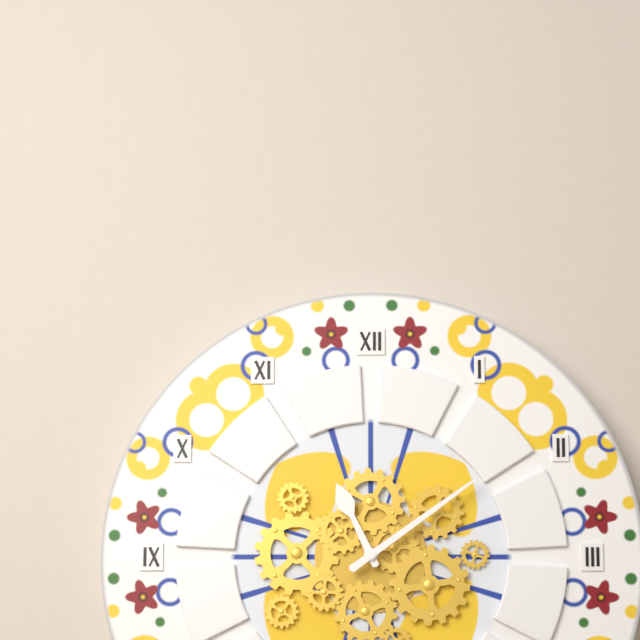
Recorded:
{"hour": 11, "minute": 9}
